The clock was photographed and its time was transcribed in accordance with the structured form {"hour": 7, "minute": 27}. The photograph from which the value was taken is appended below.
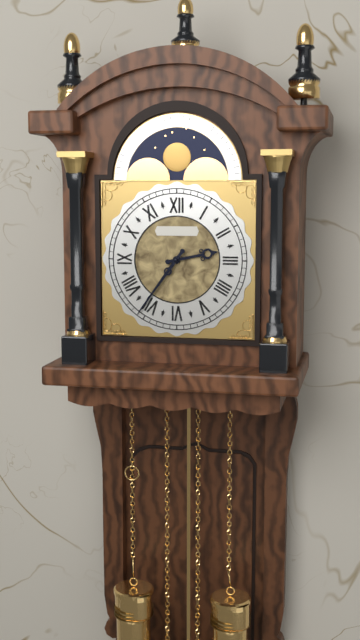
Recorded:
{"hour": 2, "minute": 36}
